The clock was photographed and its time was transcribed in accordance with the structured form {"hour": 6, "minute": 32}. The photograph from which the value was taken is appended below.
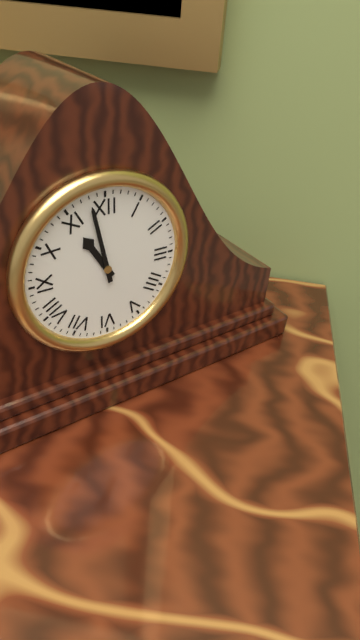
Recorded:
{"hour": 10, "minute": 58}
